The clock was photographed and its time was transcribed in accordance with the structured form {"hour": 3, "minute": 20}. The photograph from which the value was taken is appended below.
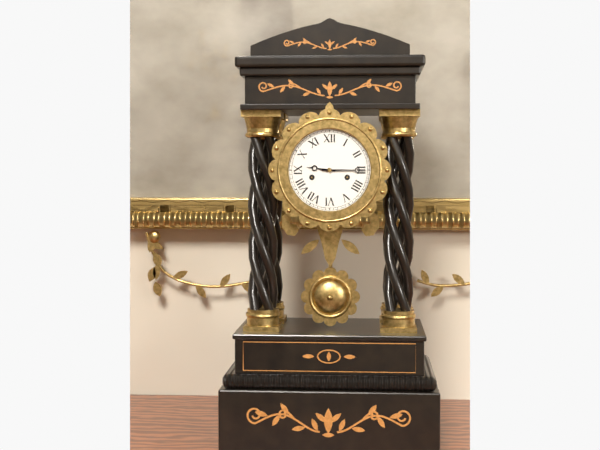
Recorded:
{"hour": 9, "minute": 15}
